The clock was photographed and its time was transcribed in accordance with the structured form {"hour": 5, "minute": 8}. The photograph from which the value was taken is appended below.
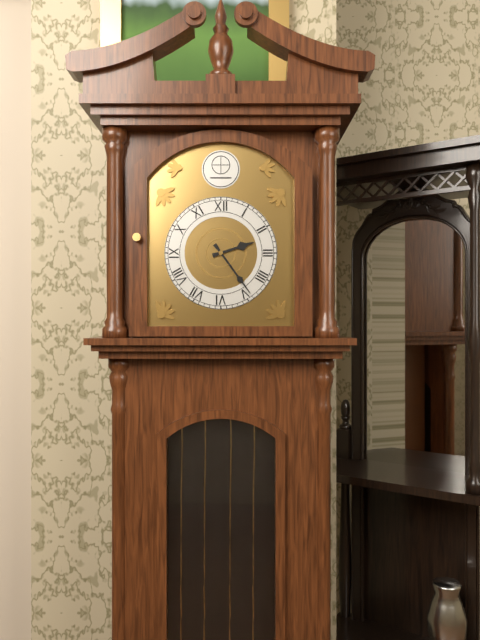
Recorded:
{"hour": 2, "minute": 24}
